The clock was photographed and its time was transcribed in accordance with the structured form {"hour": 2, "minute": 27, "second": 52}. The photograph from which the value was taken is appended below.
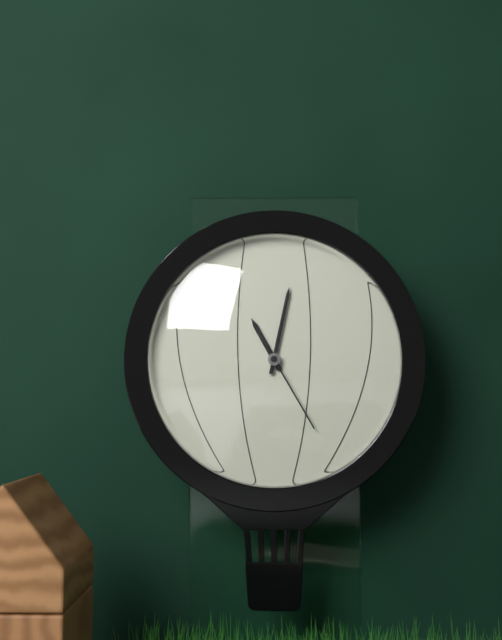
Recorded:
{"hour": 11, "minute": 2, "second": 25}
